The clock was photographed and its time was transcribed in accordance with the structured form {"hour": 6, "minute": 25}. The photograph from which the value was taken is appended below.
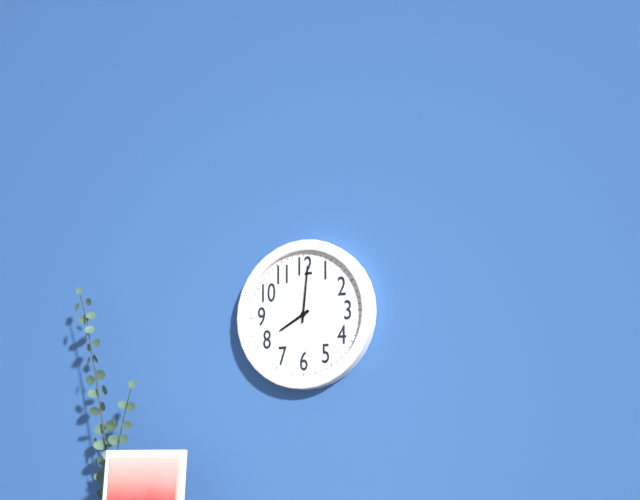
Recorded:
{"hour": 8, "minute": 1}
